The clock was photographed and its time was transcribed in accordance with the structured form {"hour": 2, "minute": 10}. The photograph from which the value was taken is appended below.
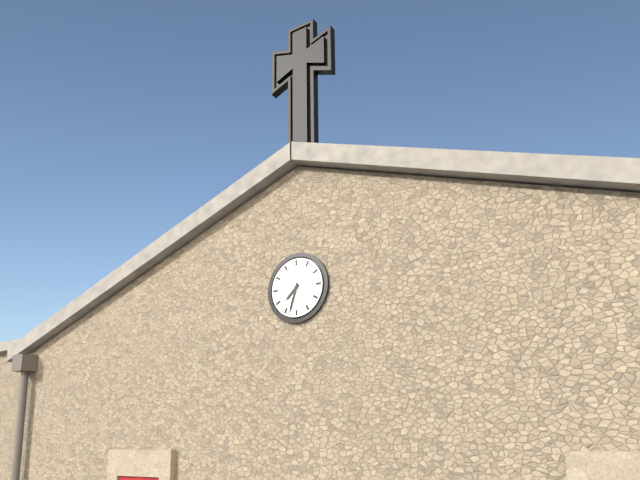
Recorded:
{"hour": 7, "minute": 33}
